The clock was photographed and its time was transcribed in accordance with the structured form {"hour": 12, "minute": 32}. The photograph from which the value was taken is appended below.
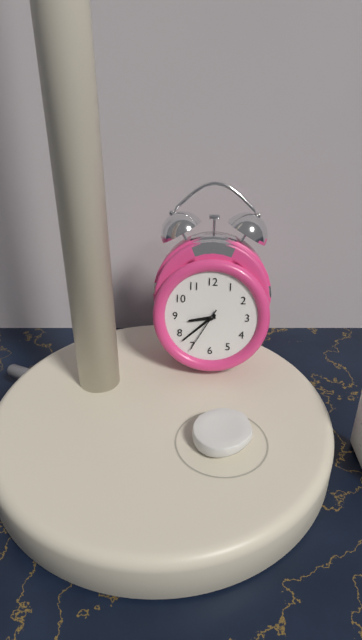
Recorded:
{"hour": 8, "minute": 38}
